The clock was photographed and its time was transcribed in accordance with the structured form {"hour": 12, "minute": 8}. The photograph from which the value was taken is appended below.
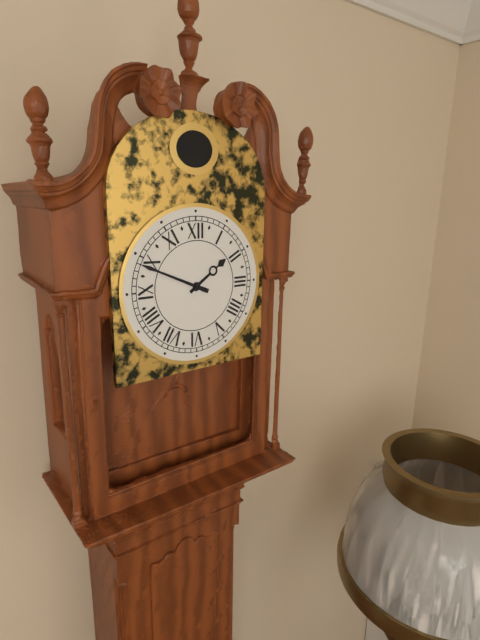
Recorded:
{"hour": 1, "minute": 49}
